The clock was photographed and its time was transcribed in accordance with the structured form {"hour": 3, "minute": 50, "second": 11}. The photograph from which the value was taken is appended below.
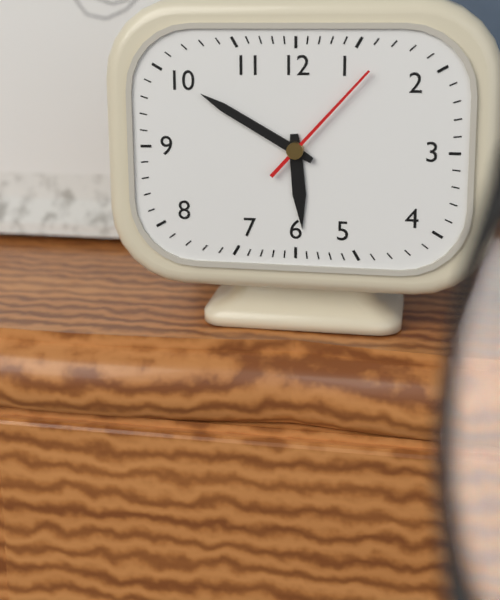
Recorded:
{"hour": 5, "minute": 50, "second": 7}
